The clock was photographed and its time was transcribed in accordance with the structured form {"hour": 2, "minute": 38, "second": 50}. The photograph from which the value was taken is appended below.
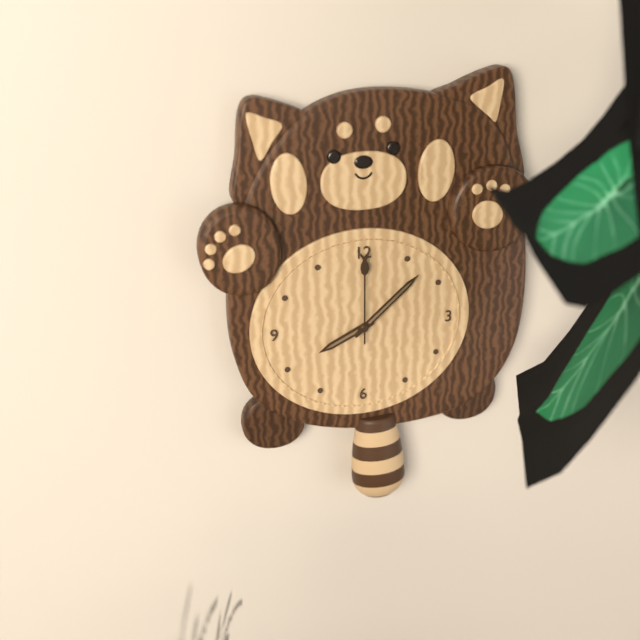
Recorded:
{"hour": 8, "minute": 8, "second": 0}
